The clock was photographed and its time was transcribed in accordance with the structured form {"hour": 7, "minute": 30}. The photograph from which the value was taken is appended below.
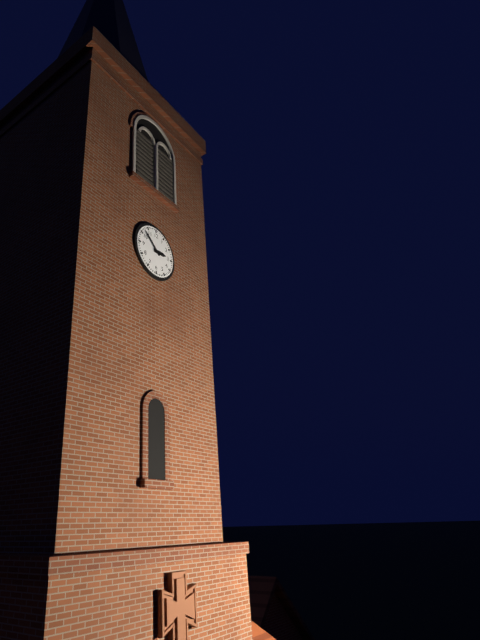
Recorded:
{"hour": 2, "minute": 52}
